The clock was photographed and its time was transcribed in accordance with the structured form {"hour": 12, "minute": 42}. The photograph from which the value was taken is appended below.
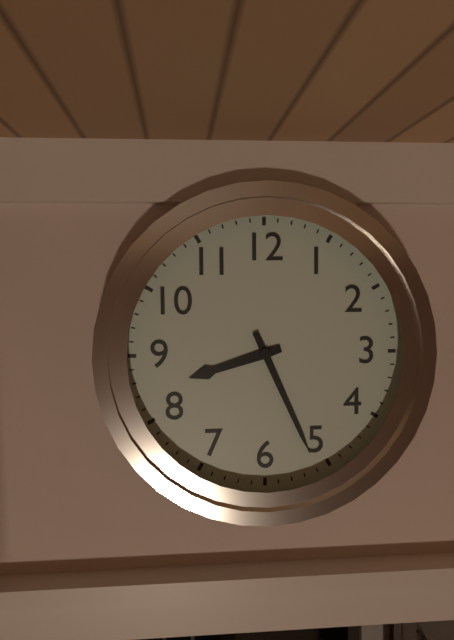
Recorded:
{"hour": 8, "minute": 26}
